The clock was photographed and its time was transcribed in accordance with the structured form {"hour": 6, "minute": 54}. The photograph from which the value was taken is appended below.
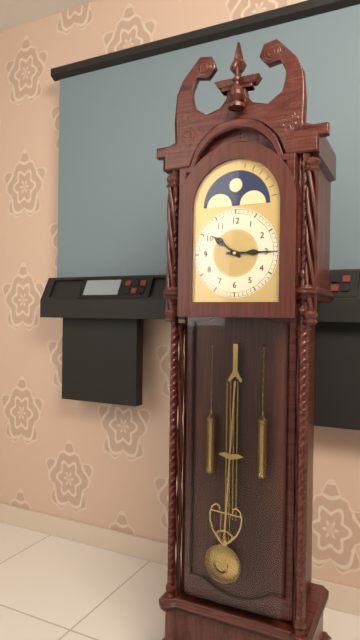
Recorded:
{"hour": 10, "minute": 15}
